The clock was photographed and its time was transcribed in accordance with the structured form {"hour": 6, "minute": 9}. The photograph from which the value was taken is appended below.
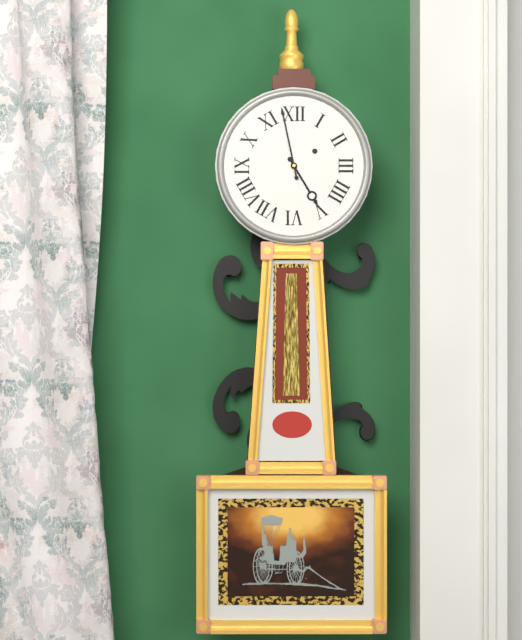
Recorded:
{"hour": 4, "minute": 58}
